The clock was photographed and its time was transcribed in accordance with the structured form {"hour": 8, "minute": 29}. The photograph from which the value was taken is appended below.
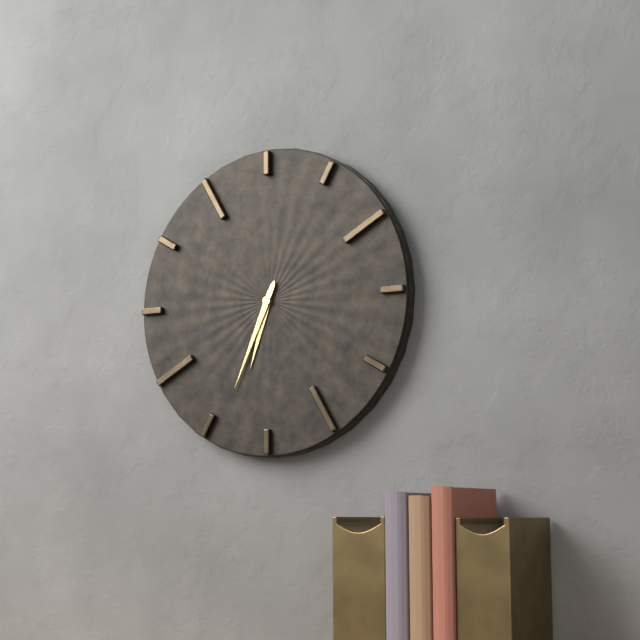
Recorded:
{"hour": 6, "minute": 34}
